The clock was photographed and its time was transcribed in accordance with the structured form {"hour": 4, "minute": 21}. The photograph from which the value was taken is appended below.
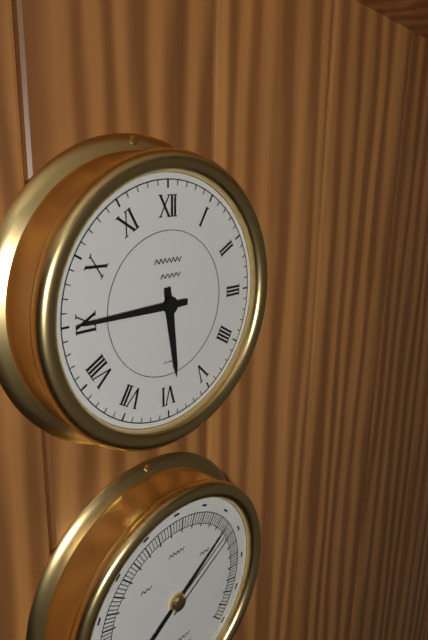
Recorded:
{"hour": 5, "minute": 45}
